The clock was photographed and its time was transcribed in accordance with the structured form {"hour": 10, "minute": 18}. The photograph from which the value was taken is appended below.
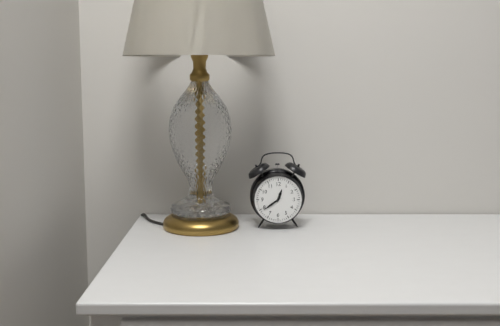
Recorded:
{"hour": 12, "minute": 39}
